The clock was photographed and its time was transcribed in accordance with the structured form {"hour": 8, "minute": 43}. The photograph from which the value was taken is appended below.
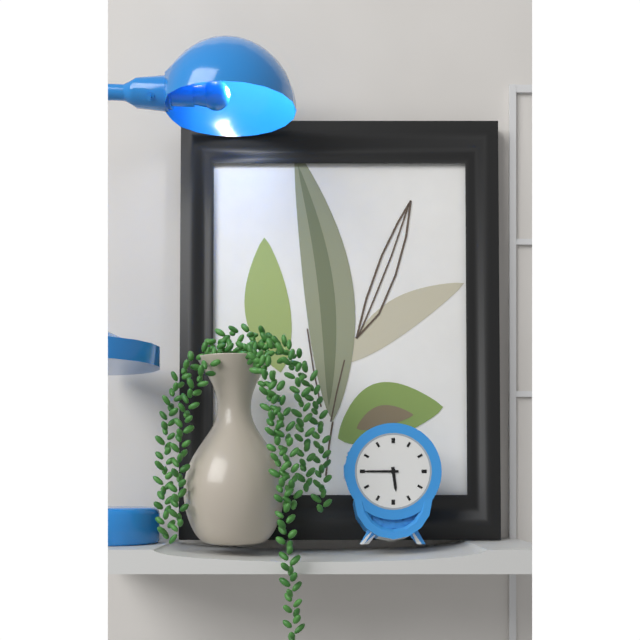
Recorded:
{"hour": 5, "minute": 45}
